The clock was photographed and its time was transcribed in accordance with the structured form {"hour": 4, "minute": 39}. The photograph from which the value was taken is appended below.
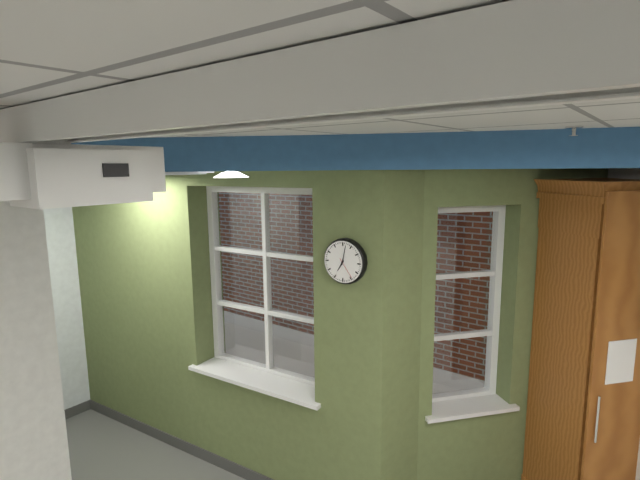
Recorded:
{"hour": 7, "minute": 2}
